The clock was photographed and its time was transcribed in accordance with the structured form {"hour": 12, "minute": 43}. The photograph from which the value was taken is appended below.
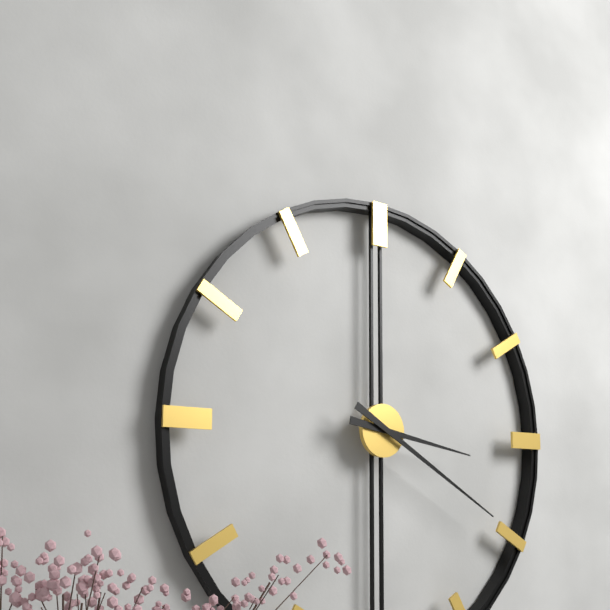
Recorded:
{"hour": 3, "minute": 20}
